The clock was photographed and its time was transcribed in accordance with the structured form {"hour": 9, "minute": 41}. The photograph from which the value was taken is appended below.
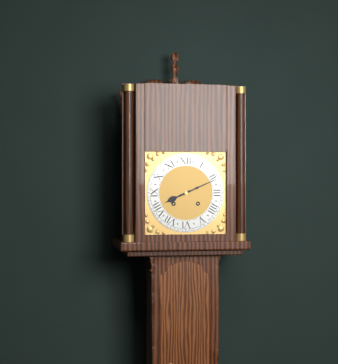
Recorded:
{"hour": 8, "minute": 11}
